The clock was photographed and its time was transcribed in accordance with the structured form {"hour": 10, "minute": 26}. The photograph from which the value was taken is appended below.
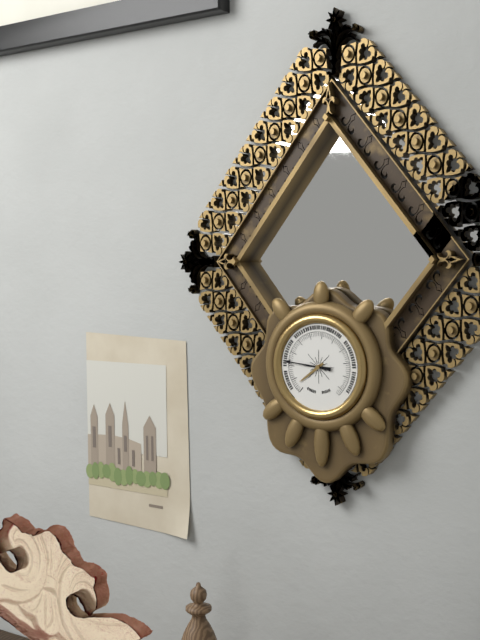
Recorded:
{"hour": 7, "minute": 46}
